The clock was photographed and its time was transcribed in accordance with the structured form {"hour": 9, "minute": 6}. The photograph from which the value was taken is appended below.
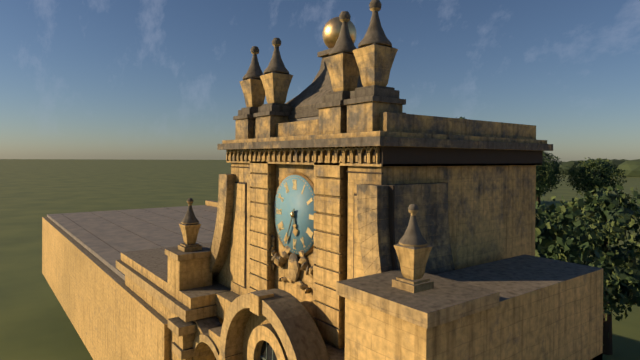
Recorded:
{"hour": 5, "minute": 34}
